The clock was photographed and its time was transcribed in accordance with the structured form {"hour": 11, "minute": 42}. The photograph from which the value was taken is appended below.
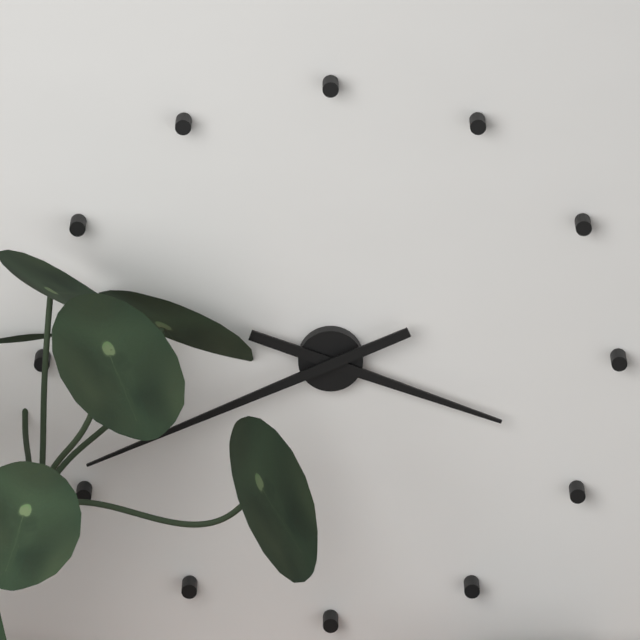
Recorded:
{"hour": 3, "minute": 41}
